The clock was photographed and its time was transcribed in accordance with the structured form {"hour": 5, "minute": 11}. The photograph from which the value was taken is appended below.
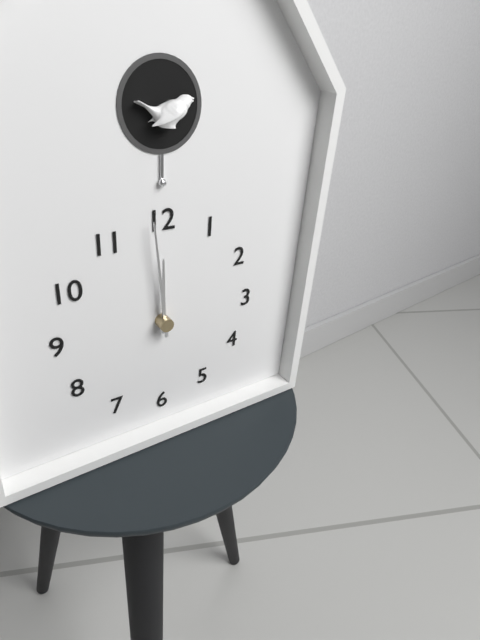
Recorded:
{"hour": 11, "minute": 59}
